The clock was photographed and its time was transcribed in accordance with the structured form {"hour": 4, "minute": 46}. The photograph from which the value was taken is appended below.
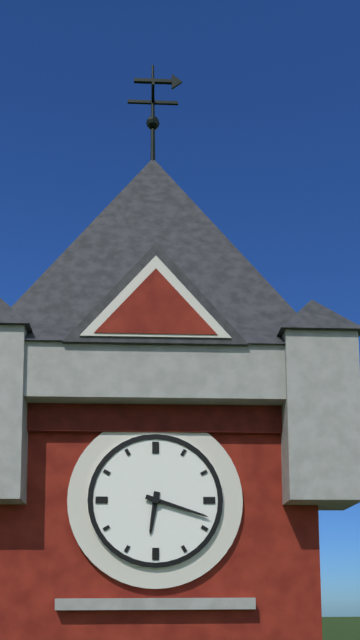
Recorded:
{"hour": 6, "minute": 18}
